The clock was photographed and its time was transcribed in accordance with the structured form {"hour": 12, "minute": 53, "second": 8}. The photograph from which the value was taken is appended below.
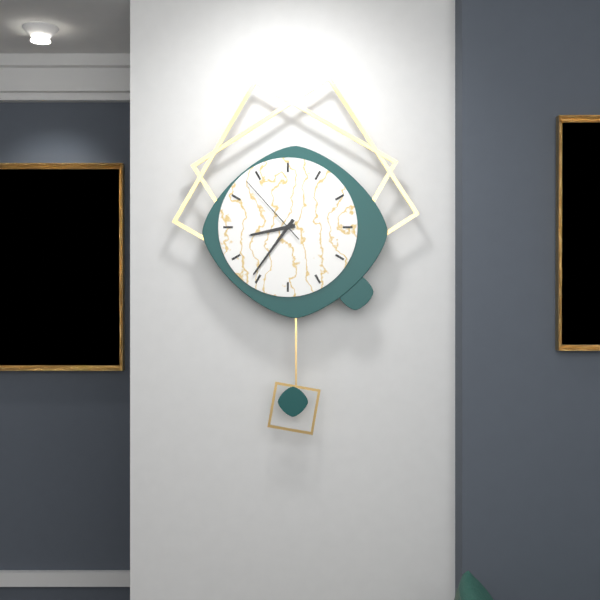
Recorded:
{"hour": 8, "minute": 36, "second": 53}
